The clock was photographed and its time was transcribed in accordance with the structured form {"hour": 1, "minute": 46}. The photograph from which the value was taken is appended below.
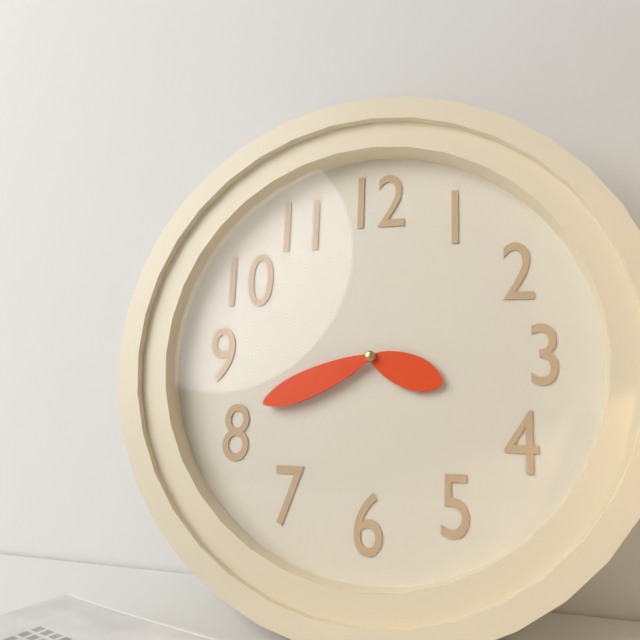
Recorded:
{"hour": 3, "minute": 41}
